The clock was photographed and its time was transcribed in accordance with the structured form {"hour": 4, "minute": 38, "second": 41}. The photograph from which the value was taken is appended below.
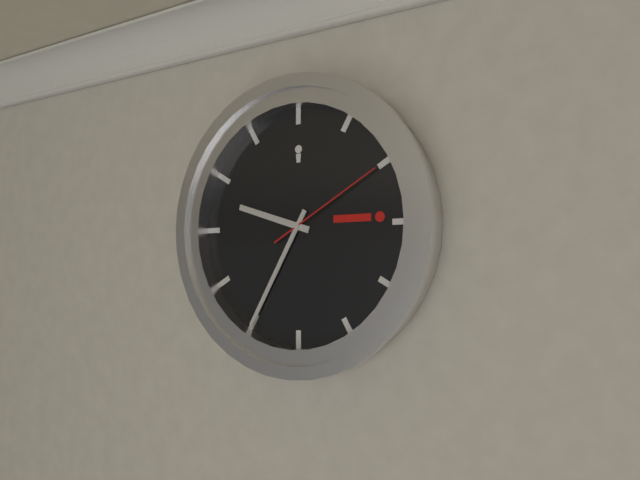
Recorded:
{"hour": 9, "minute": 35, "second": 10}
